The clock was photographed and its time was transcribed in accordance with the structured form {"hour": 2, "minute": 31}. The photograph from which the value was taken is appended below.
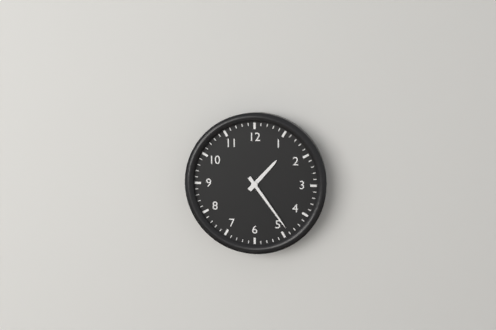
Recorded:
{"hour": 1, "minute": 24}
